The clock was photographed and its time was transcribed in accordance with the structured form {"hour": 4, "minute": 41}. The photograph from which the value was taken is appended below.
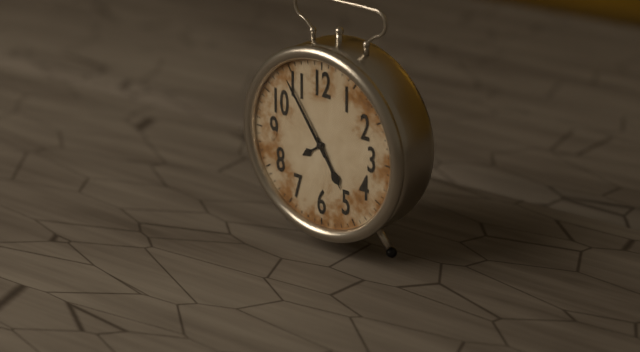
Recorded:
{"hour": 4, "minute": 54}
